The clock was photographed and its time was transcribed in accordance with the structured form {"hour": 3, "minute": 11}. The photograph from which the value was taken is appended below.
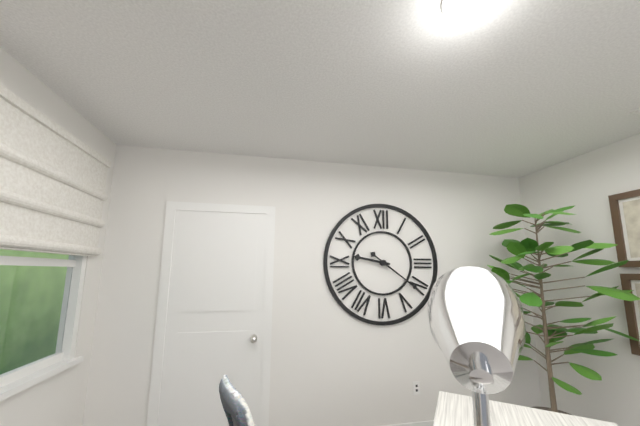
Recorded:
{"hour": 9, "minute": 21}
